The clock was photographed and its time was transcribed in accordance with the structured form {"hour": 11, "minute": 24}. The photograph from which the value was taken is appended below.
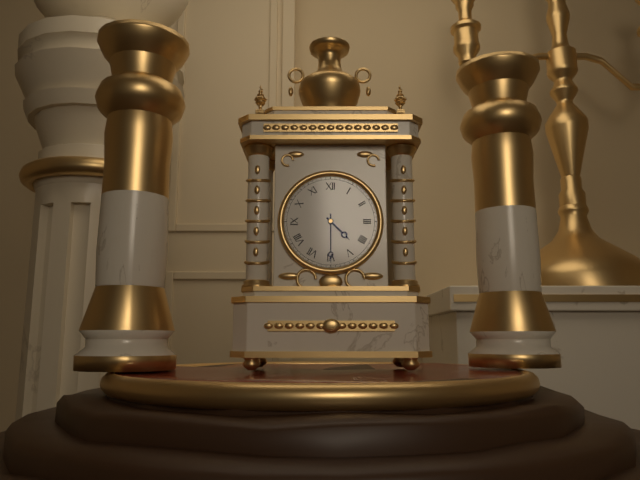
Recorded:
{"hour": 4, "minute": 30}
